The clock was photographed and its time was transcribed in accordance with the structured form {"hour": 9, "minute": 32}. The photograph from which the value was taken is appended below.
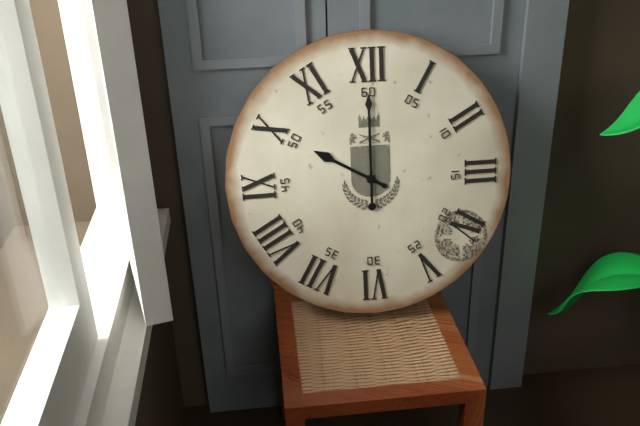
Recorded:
{"hour": 10, "minute": 0}
